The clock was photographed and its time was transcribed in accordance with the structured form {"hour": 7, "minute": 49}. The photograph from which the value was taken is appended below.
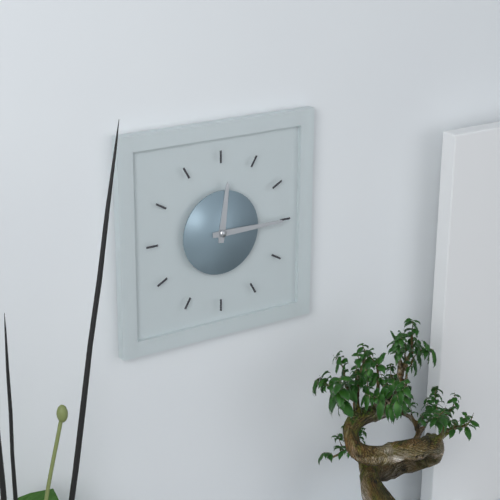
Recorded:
{"hour": 12, "minute": 15}
